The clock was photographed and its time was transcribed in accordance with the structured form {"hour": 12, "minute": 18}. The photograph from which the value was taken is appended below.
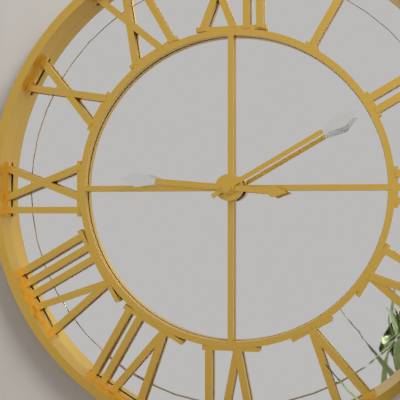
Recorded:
{"hour": 9, "minute": 10}
